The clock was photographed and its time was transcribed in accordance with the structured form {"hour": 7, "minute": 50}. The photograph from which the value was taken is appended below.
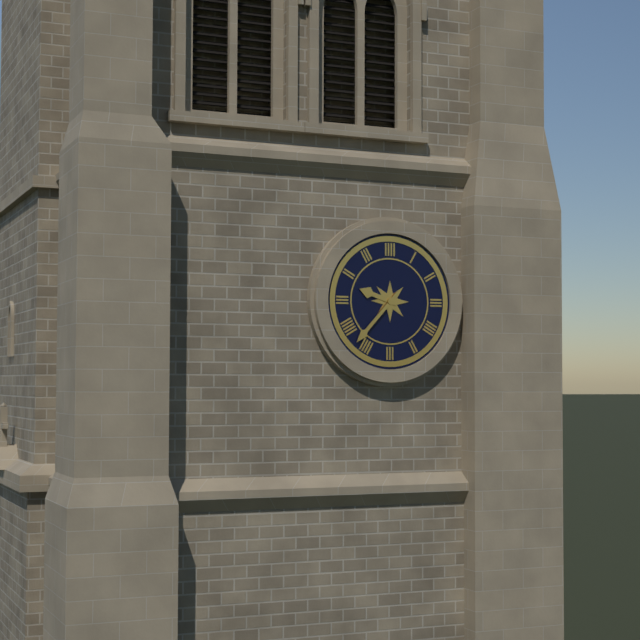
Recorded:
{"hour": 9, "minute": 37}
